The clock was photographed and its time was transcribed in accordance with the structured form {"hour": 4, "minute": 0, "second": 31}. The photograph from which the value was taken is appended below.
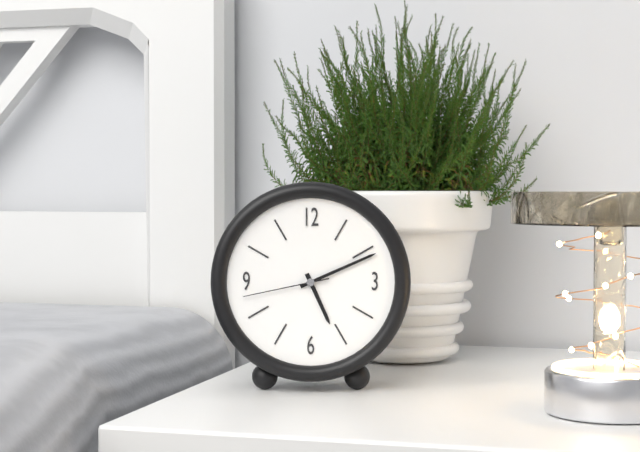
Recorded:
{"hour": 5, "minute": 11, "second": 43}
